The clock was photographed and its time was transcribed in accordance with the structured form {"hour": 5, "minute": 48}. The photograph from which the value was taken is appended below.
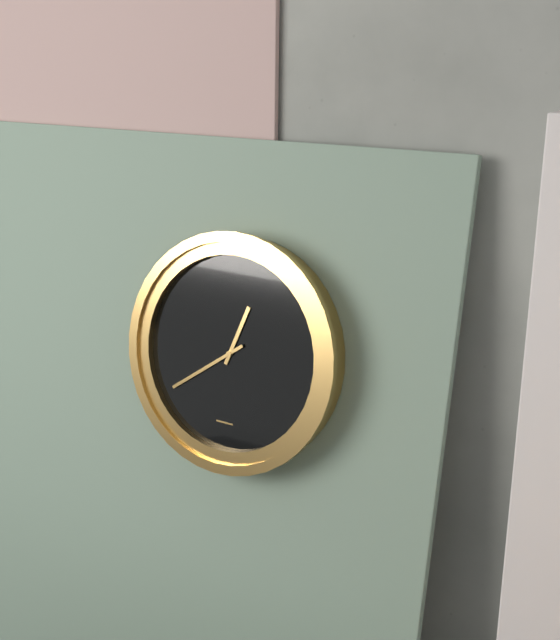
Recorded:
{"hour": 12, "minute": 39}
